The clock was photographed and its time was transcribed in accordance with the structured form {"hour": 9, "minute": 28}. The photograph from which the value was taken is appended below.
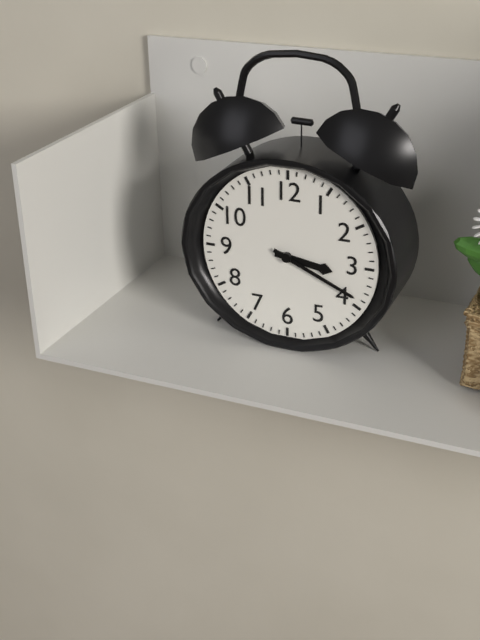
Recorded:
{"hour": 3, "minute": 19}
